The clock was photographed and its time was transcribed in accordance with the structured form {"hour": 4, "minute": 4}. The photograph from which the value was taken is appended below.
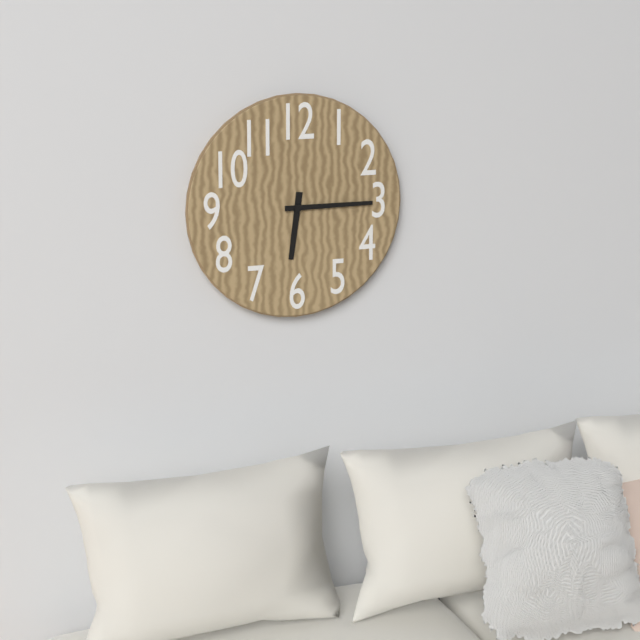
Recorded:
{"hour": 6, "minute": 15}
